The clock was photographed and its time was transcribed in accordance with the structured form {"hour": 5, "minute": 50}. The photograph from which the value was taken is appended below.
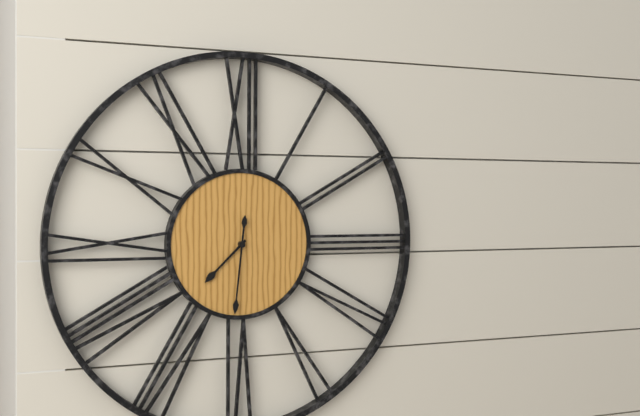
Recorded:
{"hour": 7, "minute": 31}
